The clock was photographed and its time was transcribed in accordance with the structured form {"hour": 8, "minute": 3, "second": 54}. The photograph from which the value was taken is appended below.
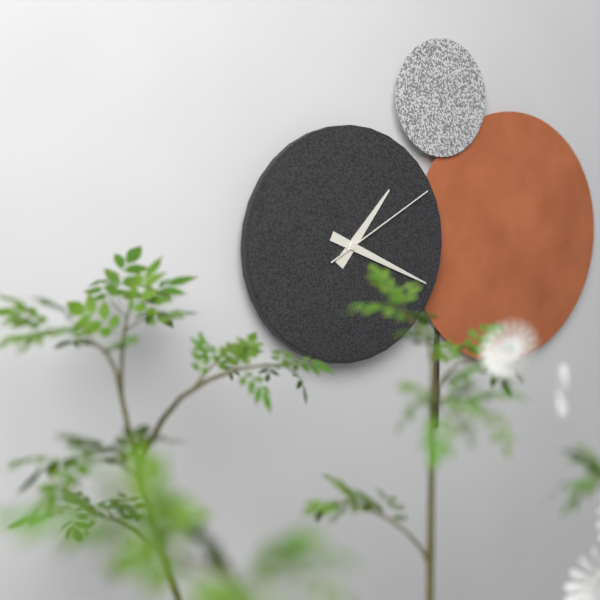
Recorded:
{"hour": 1, "minute": 19, "second": 10}
